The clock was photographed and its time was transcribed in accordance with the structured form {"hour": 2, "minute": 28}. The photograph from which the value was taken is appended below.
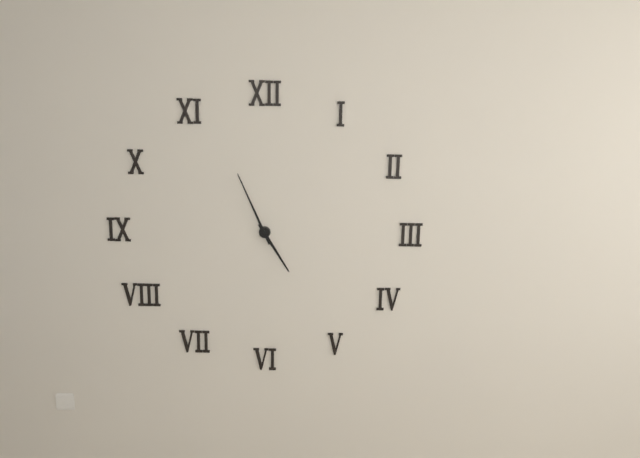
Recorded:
{"hour": 4, "minute": 56}
